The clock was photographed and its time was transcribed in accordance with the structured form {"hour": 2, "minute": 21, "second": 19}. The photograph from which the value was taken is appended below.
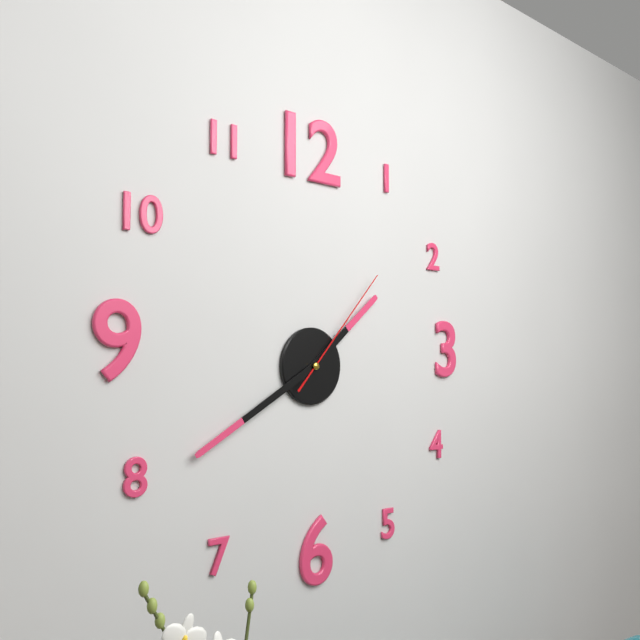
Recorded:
{"hour": 1, "minute": 40, "second": 7}
